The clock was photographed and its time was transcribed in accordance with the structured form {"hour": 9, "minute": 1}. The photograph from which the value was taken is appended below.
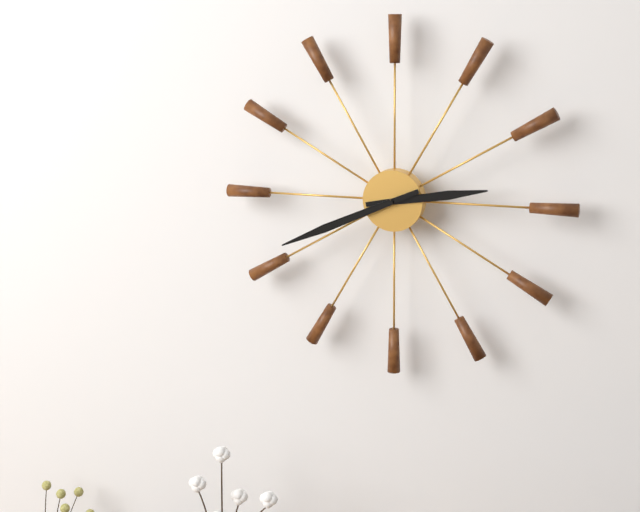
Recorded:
{"hour": 2, "minute": 41}
